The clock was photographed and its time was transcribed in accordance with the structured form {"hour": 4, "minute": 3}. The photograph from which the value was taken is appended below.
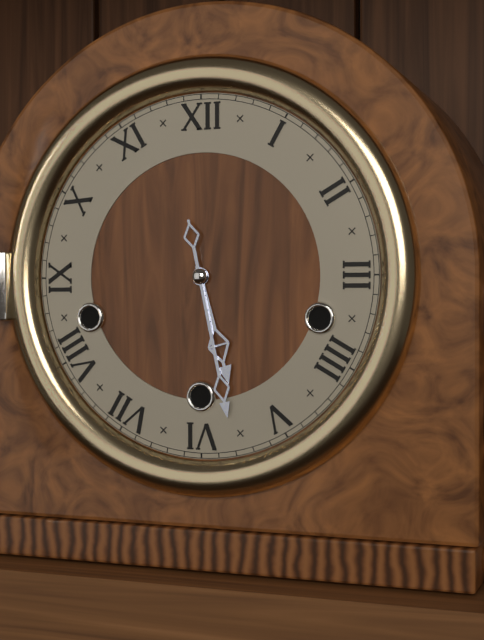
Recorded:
{"hour": 5, "minute": 28}
